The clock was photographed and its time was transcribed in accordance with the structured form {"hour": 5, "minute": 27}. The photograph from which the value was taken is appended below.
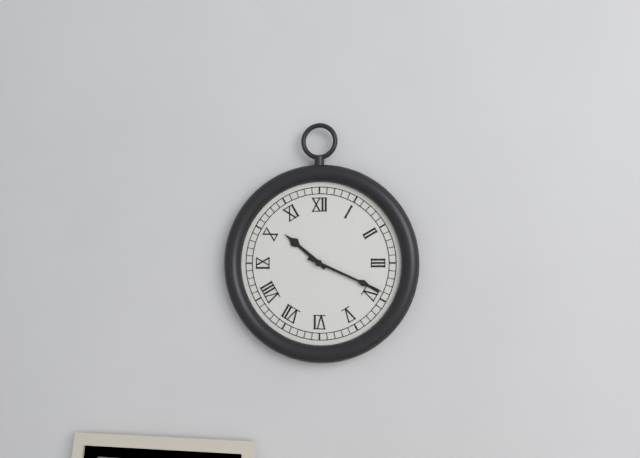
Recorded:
{"hour": 10, "minute": 19}
